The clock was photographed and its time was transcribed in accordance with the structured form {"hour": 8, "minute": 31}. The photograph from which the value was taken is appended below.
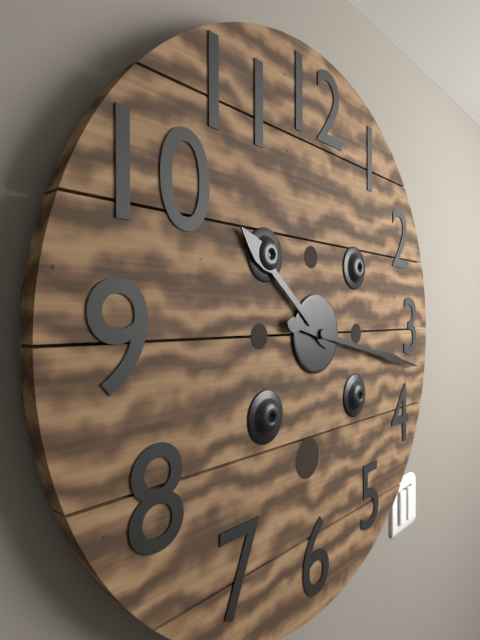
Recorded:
{"hour": 10, "minute": 17}
